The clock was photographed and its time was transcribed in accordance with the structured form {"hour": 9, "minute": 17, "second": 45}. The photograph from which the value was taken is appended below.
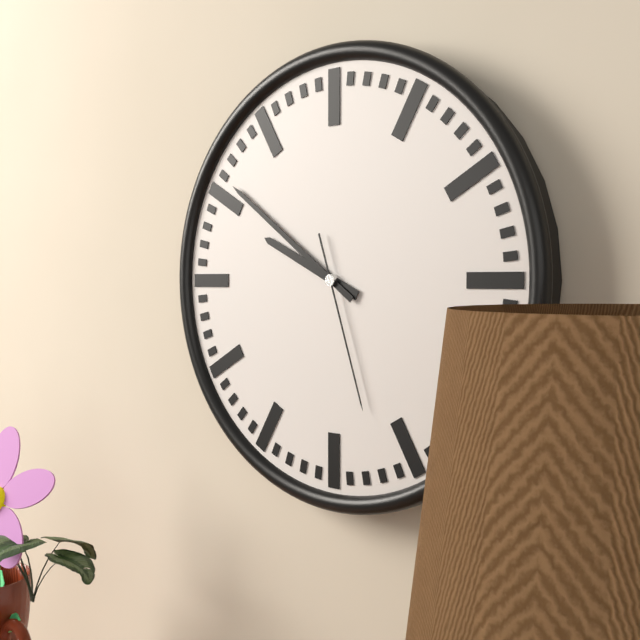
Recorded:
{"hour": 9, "minute": 51, "second": 27}
